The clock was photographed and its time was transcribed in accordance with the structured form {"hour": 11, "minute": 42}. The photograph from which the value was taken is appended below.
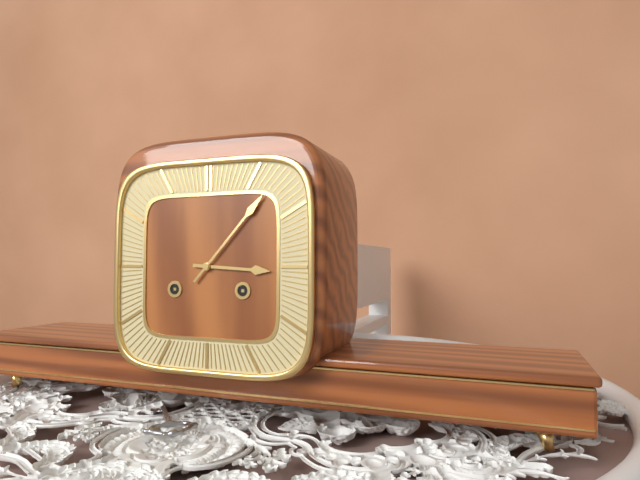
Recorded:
{"hour": 3, "minute": 7}
